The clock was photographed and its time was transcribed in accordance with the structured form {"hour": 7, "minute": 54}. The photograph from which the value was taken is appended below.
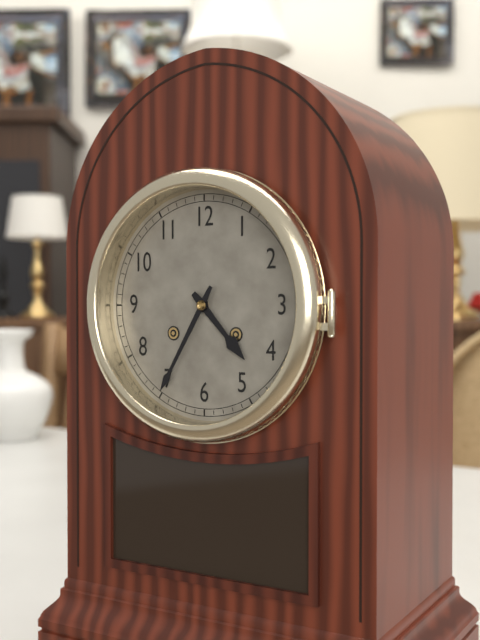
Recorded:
{"hour": 4, "minute": 35}
